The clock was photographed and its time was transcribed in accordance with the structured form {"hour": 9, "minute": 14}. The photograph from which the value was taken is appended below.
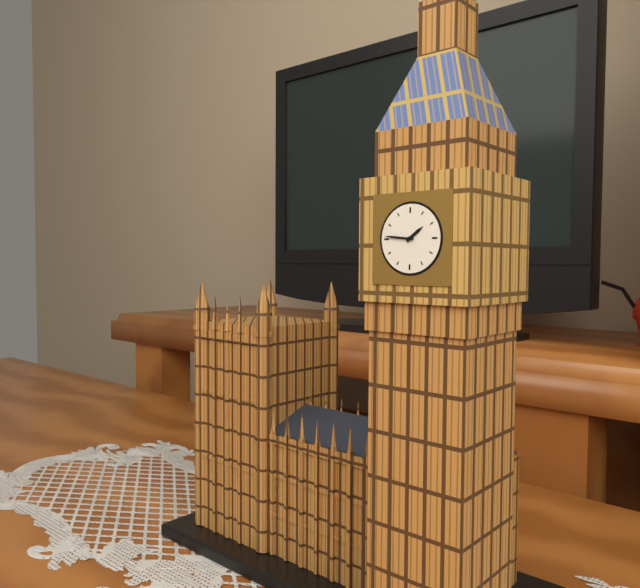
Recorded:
{"hour": 1, "minute": 46}
